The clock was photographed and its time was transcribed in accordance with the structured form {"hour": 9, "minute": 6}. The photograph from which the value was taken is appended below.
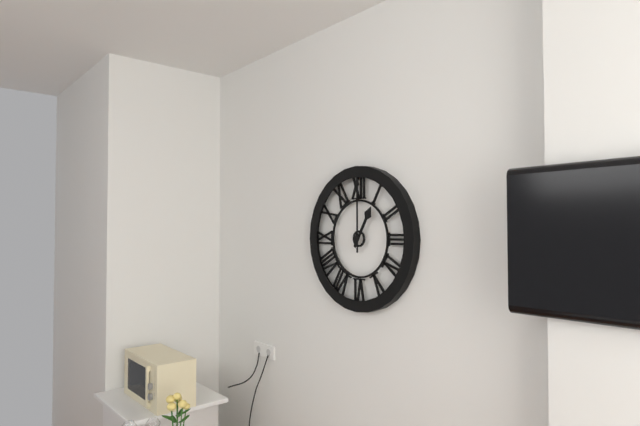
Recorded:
{"hour": 1, "minute": 0}
